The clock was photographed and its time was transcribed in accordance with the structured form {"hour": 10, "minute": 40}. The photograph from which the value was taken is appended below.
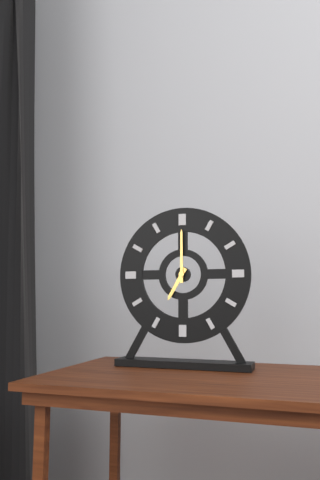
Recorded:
{"hour": 7, "minute": 0}
